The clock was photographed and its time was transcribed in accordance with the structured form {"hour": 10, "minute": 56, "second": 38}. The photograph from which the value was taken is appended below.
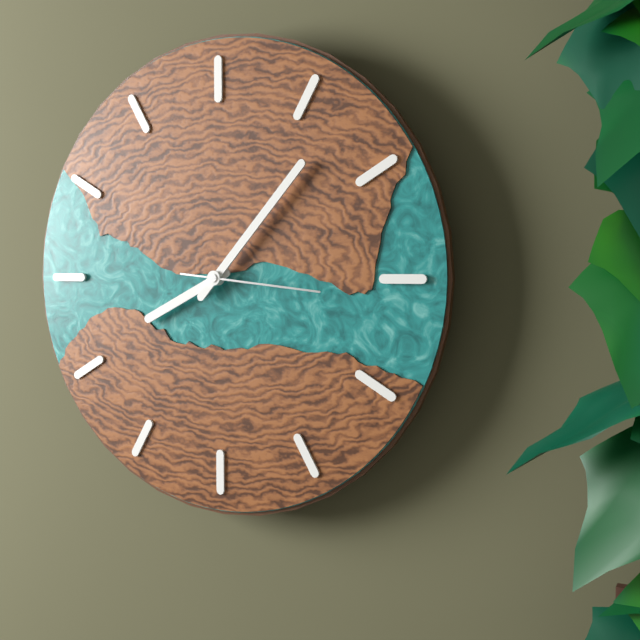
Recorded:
{"hour": 8, "minute": 7, "second": 16}
